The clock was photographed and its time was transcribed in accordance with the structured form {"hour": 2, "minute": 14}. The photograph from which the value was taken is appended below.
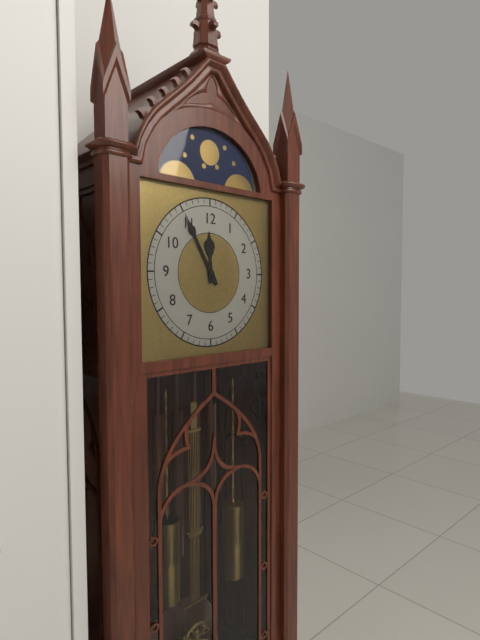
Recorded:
{"hour": 11, "minute": 55}
